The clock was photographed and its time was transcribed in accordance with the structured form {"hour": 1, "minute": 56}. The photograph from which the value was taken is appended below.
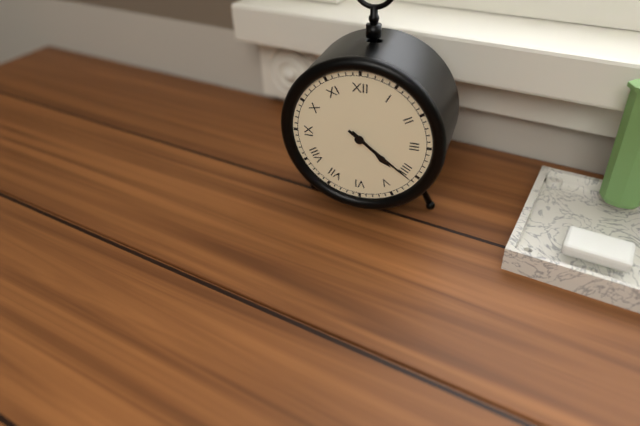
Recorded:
{"hour": 4, "minute": 21}
